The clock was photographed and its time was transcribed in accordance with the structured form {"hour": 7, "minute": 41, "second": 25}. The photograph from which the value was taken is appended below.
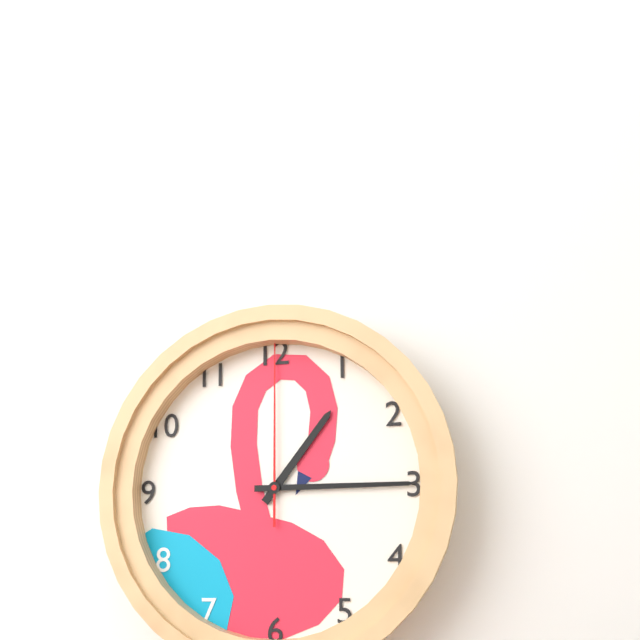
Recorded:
{"hour": 1, "minute": 15, "second": 0}
